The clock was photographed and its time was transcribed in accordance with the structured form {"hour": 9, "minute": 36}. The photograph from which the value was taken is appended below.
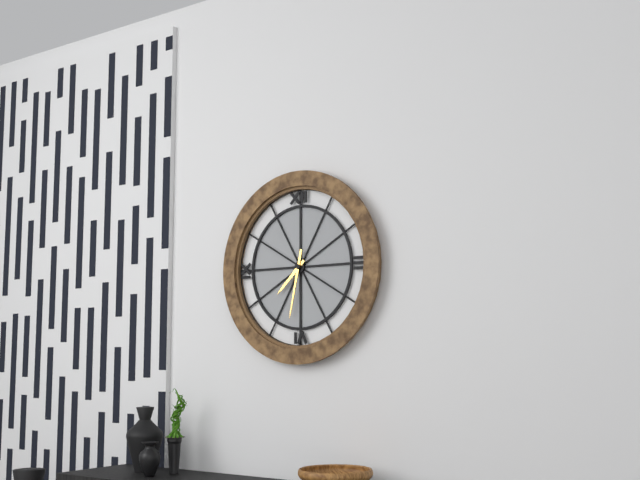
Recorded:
{"hour": 7, "minute": 32}
